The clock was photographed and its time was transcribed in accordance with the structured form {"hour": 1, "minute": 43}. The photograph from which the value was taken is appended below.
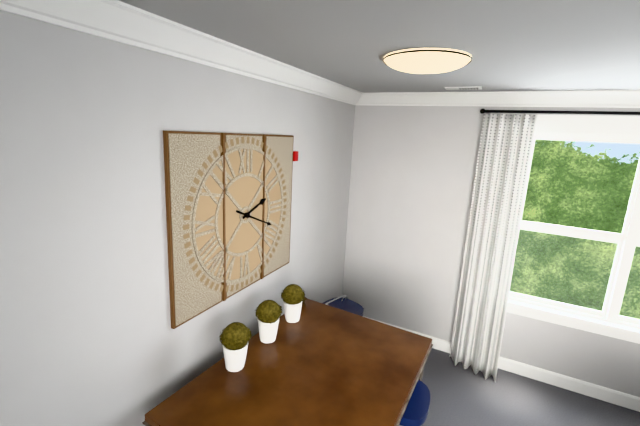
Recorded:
{"hour": 2, "minute": 19}
